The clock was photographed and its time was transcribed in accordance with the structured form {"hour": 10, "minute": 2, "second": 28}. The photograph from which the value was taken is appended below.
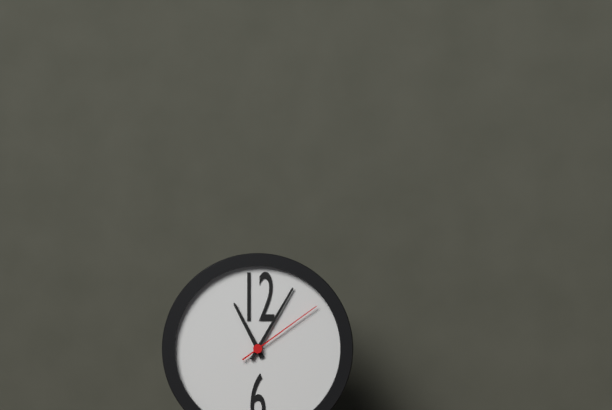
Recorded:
{"hour": 11, "minute": 5, "second": 9}
